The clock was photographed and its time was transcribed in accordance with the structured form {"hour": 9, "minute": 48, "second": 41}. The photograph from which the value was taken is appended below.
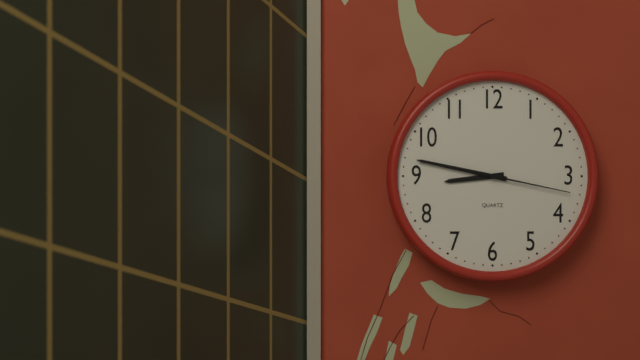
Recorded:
{"hour": 8, "minute": 47, "second": 17}
